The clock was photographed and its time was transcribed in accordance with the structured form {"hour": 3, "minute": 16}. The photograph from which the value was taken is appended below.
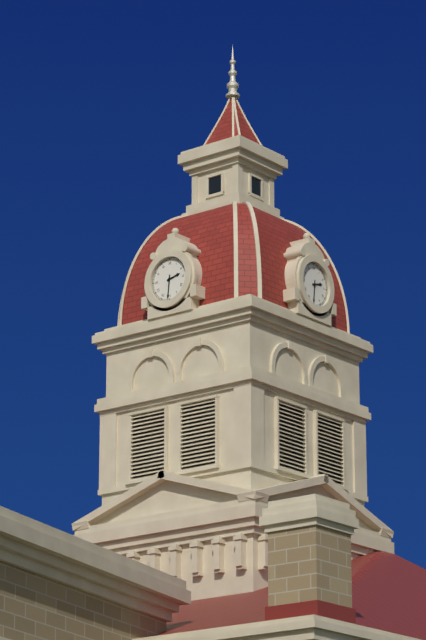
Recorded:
{"hour": 2, "minute": 31}
